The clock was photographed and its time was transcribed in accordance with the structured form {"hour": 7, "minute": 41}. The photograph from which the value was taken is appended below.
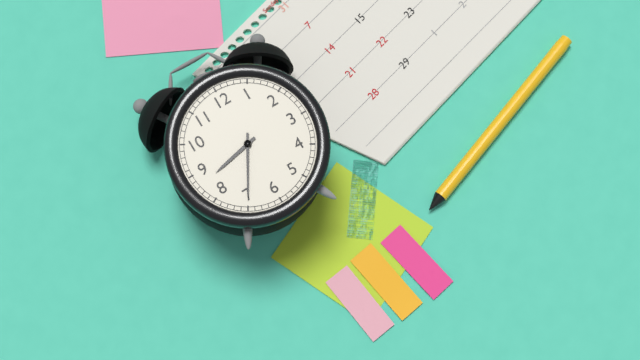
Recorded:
{"hour": 8, "minute": 35}
